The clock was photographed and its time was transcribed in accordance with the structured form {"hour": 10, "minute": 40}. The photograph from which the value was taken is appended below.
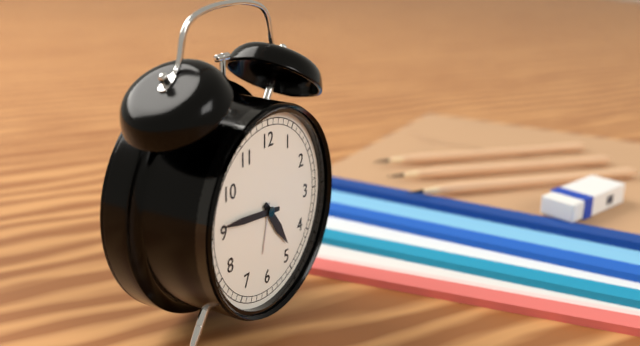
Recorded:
{"hour": 4, "minute": 46}
